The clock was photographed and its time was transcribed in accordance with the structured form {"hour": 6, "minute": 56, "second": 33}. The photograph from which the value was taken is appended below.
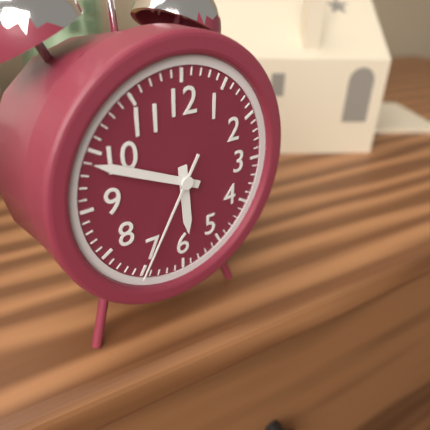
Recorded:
{"hour": 5, "minute": 49, "second": 35}
